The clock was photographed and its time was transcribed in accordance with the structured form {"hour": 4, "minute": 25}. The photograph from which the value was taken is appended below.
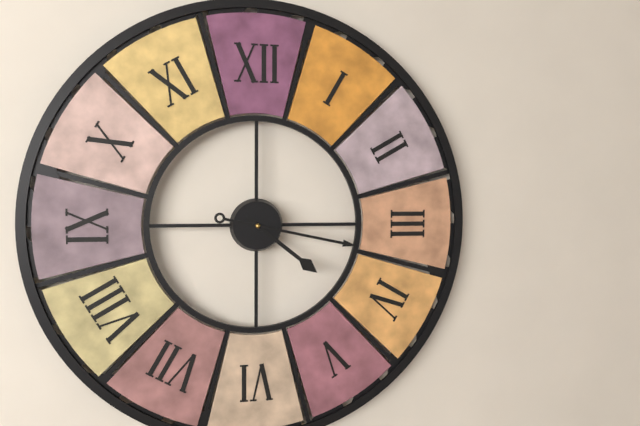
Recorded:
{"hour": 4, "minute": 17}
